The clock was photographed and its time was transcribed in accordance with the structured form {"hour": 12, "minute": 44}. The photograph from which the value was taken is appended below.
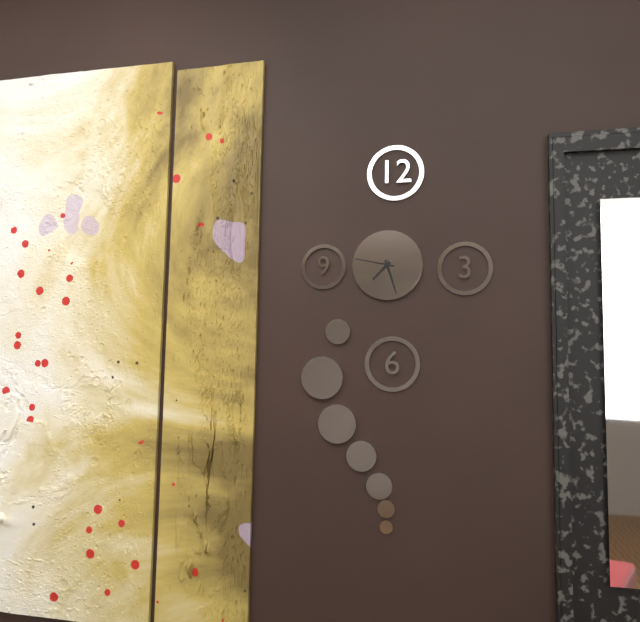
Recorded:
{"hour": 7, "minute": 27}
